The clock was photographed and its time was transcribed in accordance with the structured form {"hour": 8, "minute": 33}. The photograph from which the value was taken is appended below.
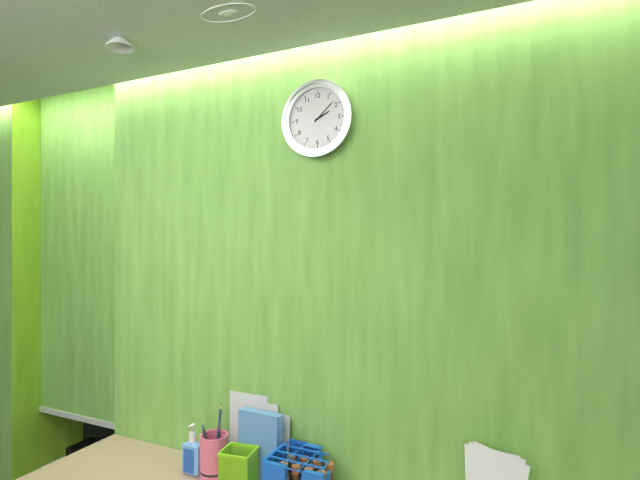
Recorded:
{"hour": 2, "minute": 8}
